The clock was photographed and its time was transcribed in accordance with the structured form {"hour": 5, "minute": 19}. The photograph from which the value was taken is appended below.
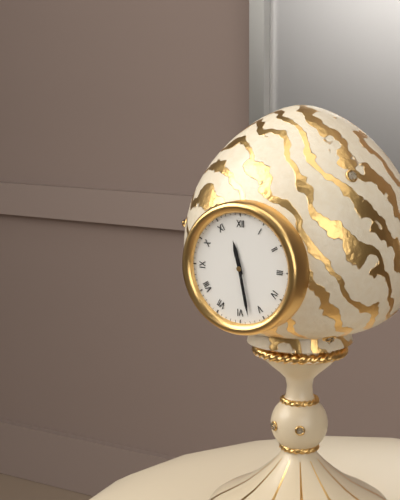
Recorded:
{"hour": 11, "minute": 28}
